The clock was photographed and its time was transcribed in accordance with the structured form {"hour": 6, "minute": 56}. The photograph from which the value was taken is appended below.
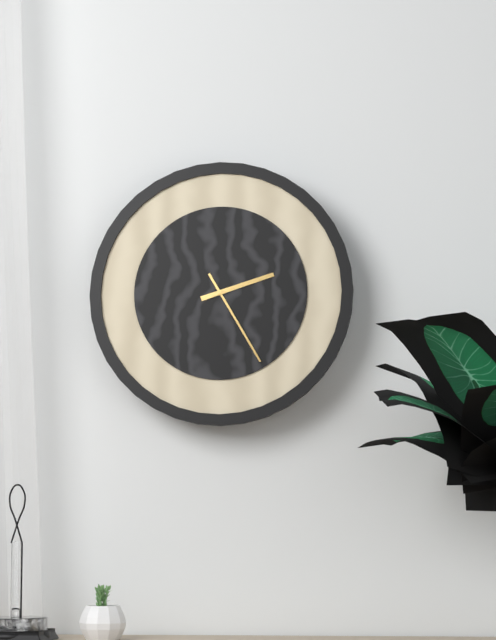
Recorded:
{"hour": 2, "minute": 25}
